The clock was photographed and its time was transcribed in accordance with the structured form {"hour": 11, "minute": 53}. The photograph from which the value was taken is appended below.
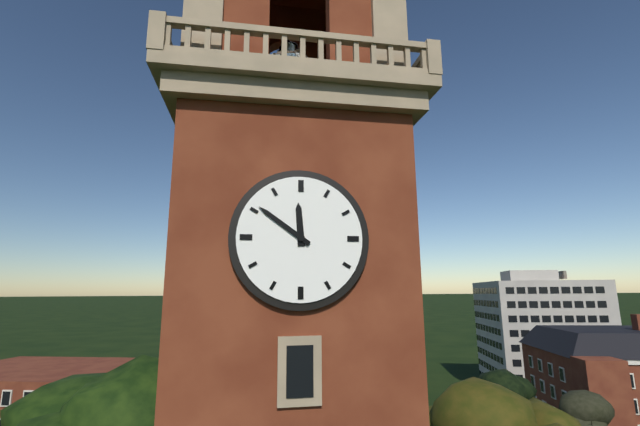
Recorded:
{"hour": 11, "minute": 51}
